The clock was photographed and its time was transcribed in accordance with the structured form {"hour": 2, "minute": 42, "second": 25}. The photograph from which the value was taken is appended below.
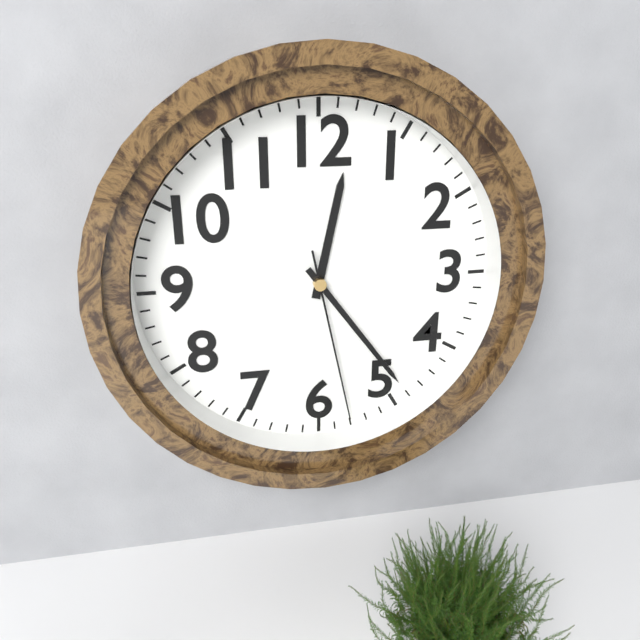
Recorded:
{"hour": 12, "minute": 24, "second": 28}
